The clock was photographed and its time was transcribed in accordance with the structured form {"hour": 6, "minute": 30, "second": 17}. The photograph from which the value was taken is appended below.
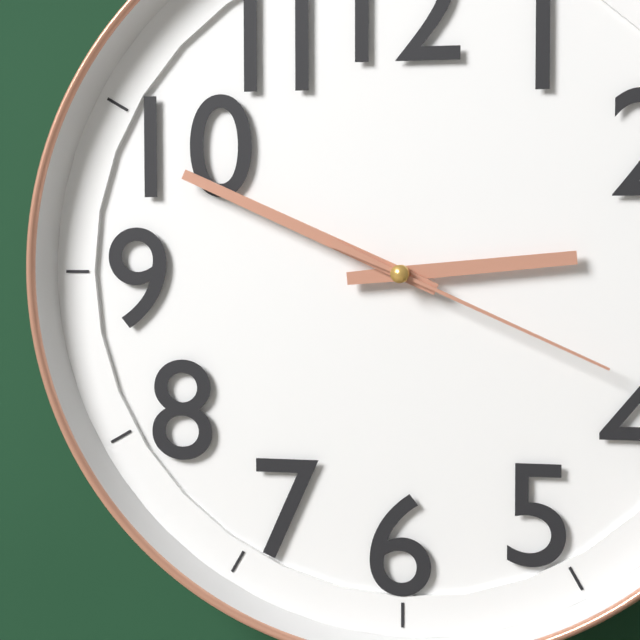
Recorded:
{"hour": 2, "minute": 49, "second": 19}
